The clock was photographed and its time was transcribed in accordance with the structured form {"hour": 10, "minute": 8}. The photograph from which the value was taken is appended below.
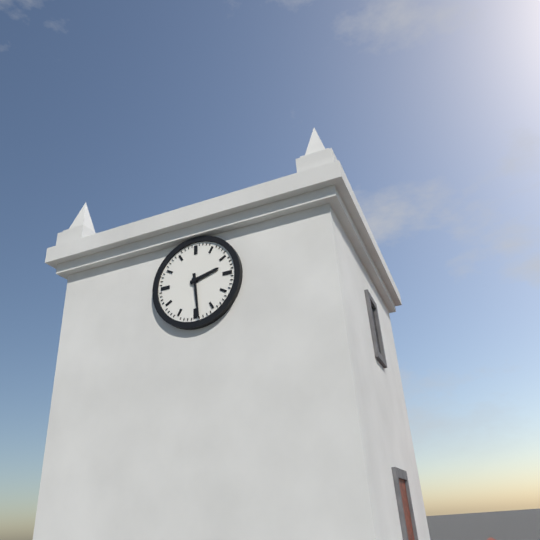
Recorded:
{"hour": 2, "minute": 29}
